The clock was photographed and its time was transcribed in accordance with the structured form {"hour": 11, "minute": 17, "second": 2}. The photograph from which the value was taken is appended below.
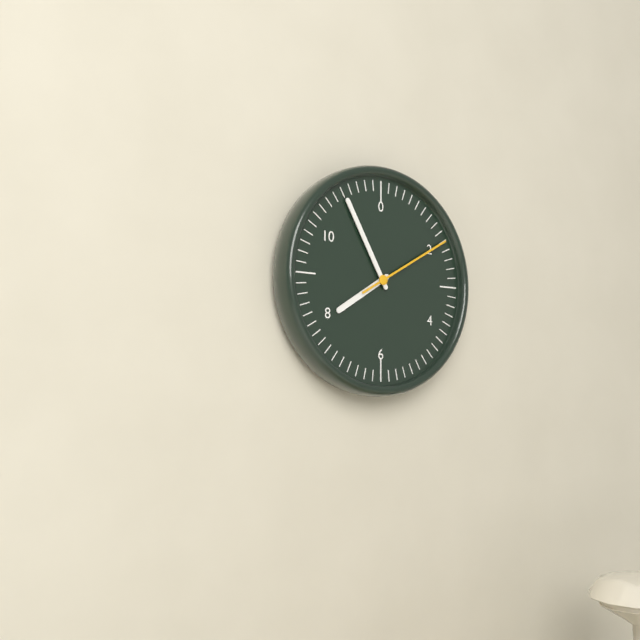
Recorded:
{"hour": 7, "minute": 55, "second": 10}
